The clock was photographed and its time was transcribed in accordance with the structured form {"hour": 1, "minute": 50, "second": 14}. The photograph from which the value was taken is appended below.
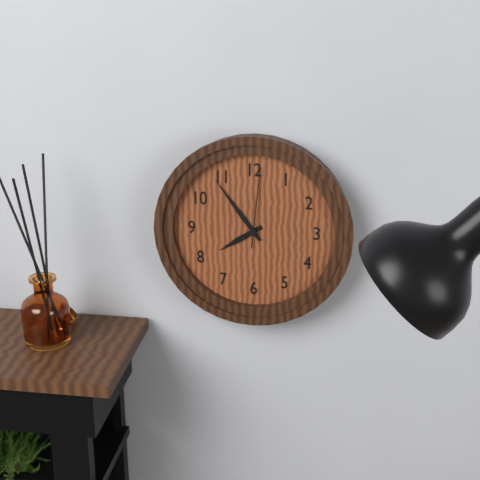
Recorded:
{"hour": 7, "minute": 54, "second": 1}
